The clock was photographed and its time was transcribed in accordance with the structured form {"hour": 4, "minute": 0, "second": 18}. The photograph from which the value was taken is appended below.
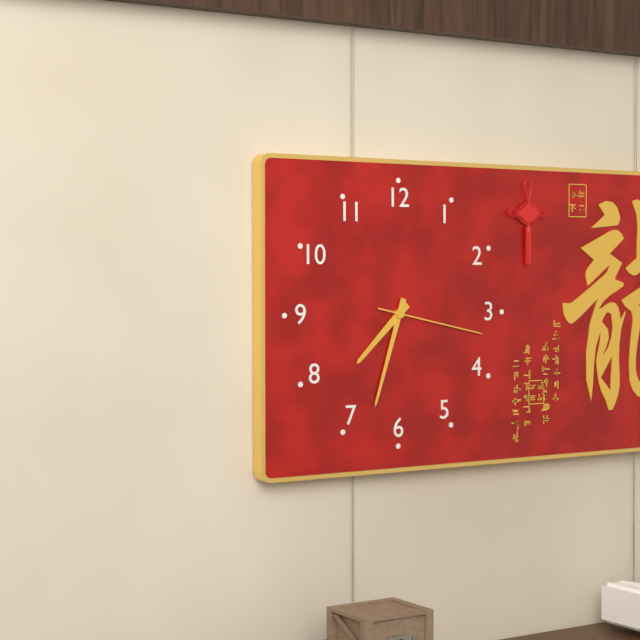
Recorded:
{"hour": 7, "minute": 33, "second": 17}
